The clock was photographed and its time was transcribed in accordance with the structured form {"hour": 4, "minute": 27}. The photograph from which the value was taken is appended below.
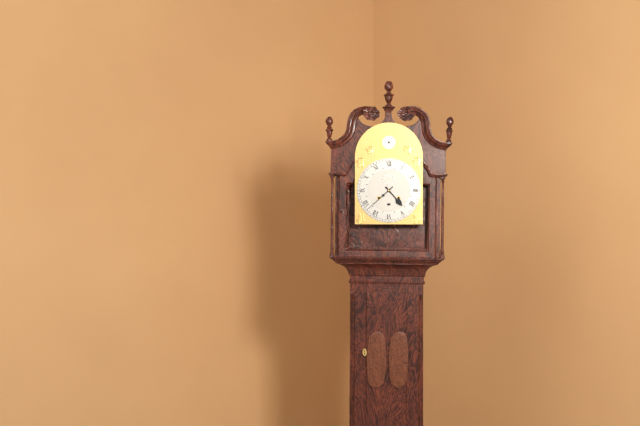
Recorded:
{"hour": 4, "minute": 38}
